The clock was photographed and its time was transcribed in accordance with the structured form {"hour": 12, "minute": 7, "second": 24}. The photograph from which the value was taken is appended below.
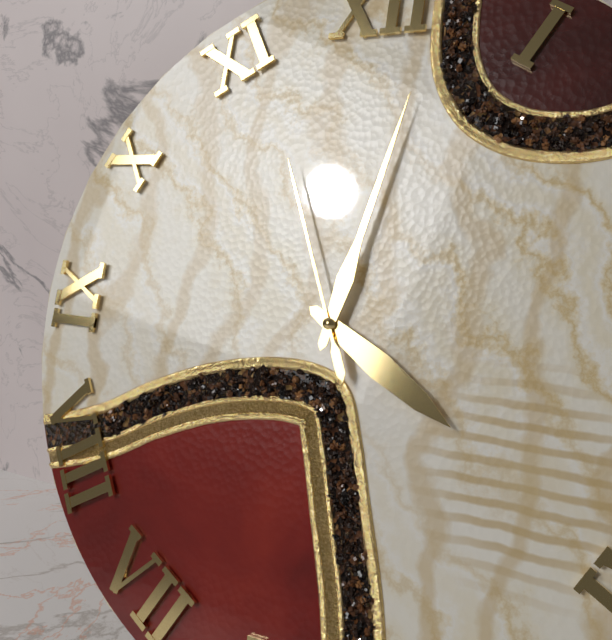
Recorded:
{"hour": 4, "minute": 2, "second": 56}
